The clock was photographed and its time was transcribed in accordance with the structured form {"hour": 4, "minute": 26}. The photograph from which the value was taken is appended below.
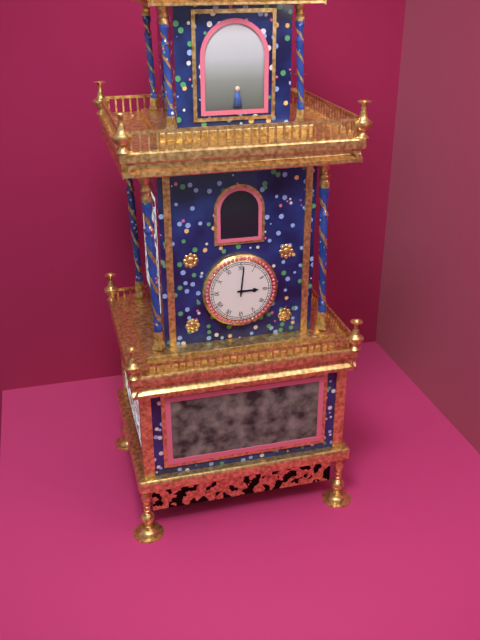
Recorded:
{"hour": 3, "minute": 1}
